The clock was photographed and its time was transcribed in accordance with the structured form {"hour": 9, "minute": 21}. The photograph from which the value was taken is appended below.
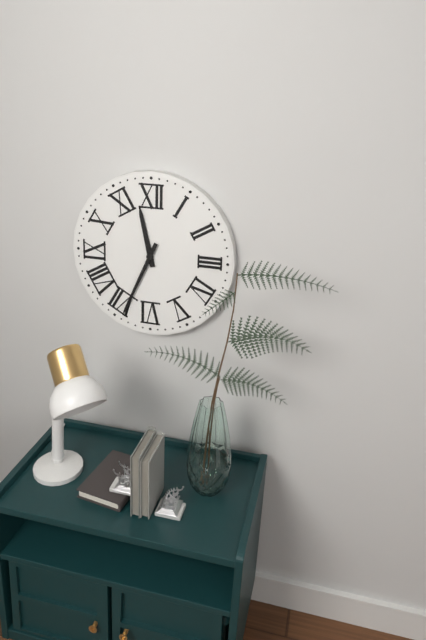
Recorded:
{"hour": 11, "minute": 34}
